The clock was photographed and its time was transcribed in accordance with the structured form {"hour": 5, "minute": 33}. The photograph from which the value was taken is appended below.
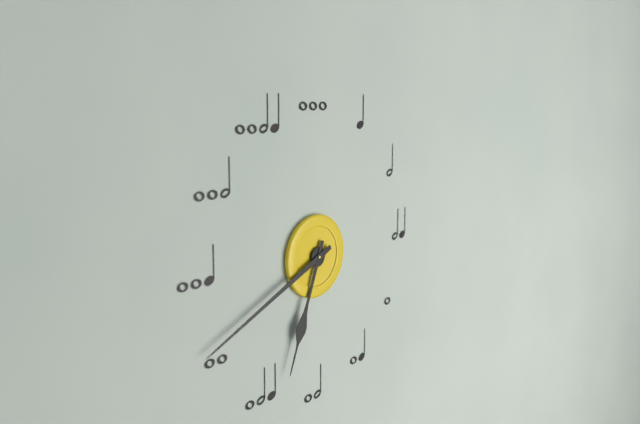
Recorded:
{"hour": 6, "minute": 41}
